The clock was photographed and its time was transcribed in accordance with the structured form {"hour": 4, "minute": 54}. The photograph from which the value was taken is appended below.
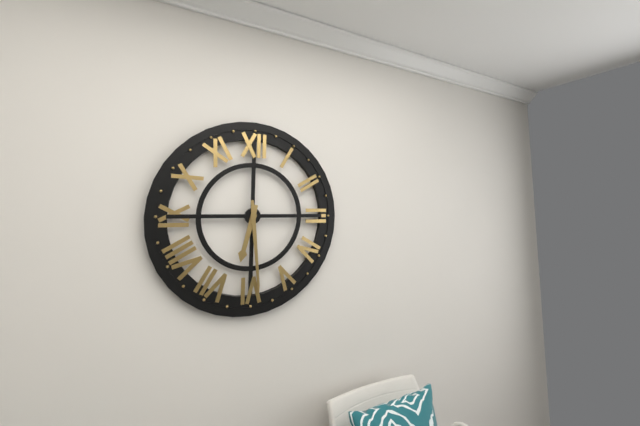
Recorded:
{"hour": 6, "minute": 29}
